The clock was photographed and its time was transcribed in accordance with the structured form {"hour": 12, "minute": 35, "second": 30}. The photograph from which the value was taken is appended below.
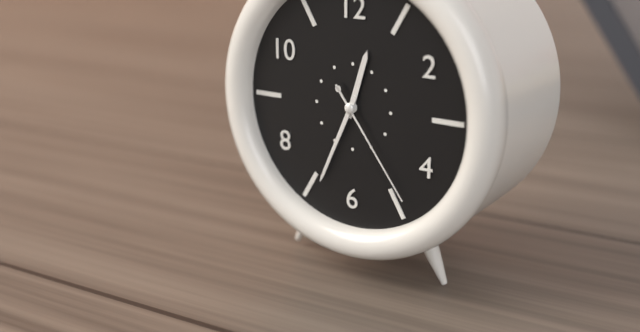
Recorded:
{"hour": 12, "minute": 34, "second": 24}
